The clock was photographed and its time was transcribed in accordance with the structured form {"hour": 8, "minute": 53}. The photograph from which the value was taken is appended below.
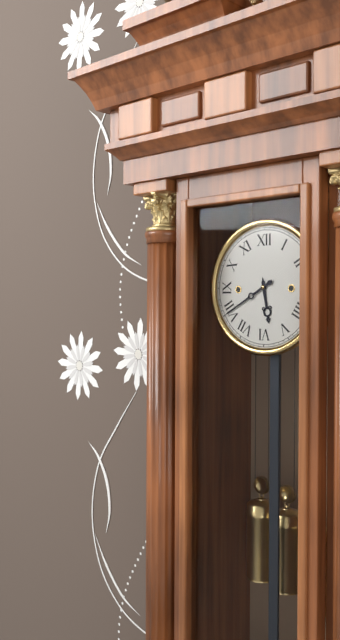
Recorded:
{"hour": 5, "minute": 40}
